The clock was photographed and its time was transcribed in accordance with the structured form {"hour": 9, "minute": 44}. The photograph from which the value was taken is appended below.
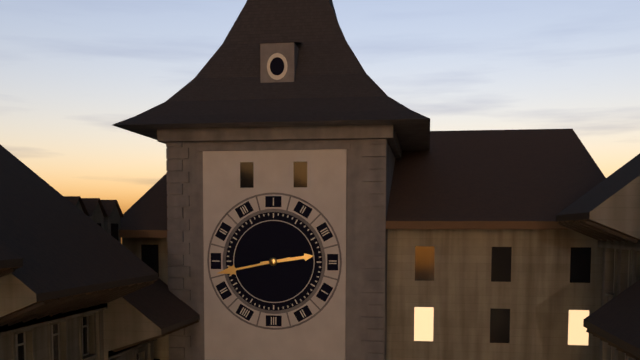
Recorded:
{"hour": 2, "minute": 43}
